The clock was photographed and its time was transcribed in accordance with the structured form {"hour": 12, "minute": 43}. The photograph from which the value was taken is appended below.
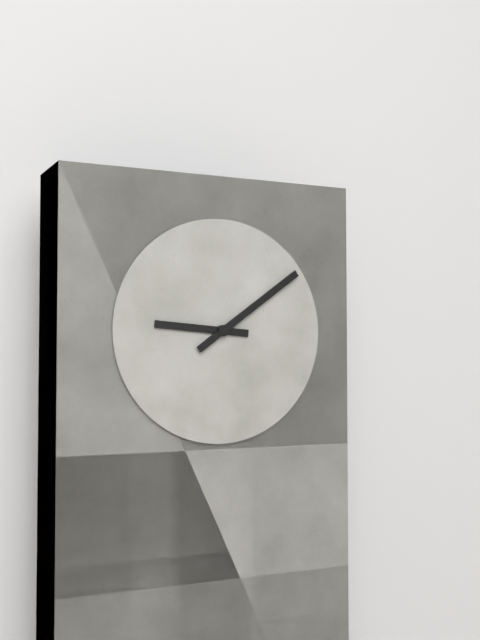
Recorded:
{"hour": 9, "minute": 9}
